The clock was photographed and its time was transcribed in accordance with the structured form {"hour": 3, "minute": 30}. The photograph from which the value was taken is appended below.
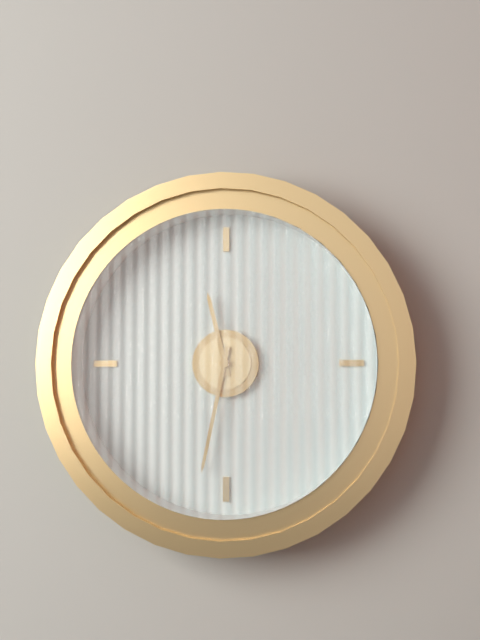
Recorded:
{"hour": 11, "minute": 32}
